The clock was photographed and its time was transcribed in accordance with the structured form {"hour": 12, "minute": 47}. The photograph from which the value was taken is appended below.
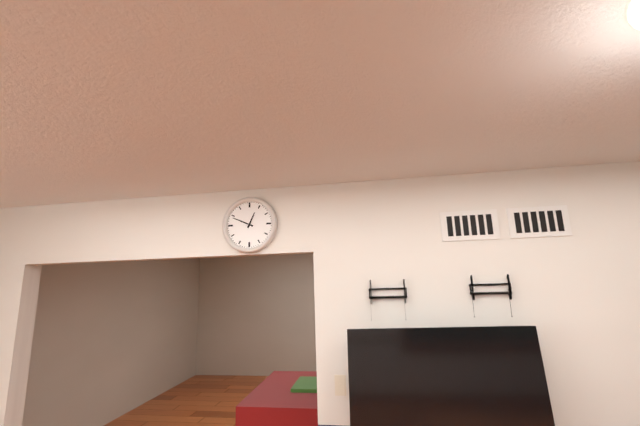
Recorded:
{"hour": 12, "minute": 49}
